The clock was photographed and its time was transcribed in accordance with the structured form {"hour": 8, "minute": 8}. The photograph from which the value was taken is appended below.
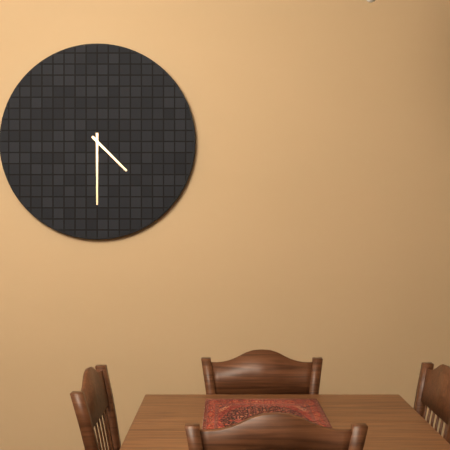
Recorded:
{"hour": 4, "minute": 30}
